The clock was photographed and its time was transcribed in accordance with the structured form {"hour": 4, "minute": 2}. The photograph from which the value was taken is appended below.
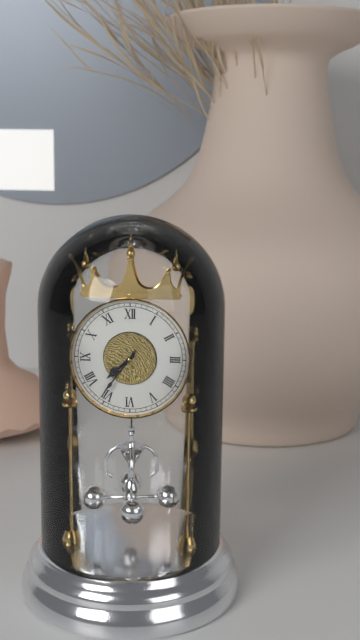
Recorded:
{"hour": 7, "minute": 36}
